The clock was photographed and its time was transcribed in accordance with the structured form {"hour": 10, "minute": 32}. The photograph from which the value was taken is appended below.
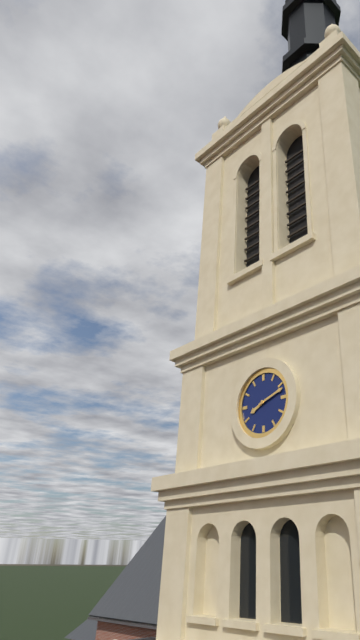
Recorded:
{"hour": 8, "minute": 12}
